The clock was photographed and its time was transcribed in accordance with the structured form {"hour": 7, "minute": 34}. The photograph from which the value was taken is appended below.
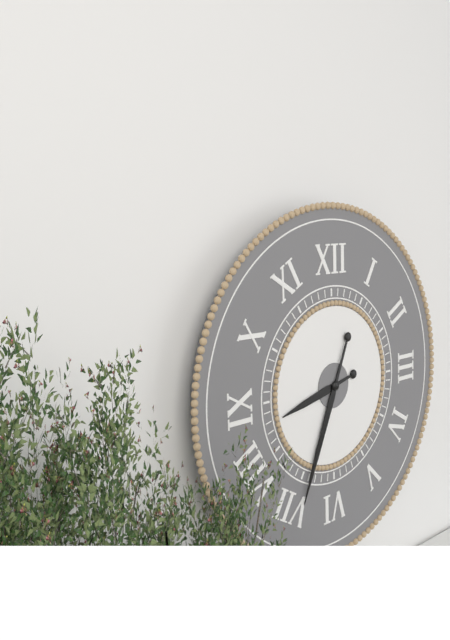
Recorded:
{"hour": 8, "minute": 34}
